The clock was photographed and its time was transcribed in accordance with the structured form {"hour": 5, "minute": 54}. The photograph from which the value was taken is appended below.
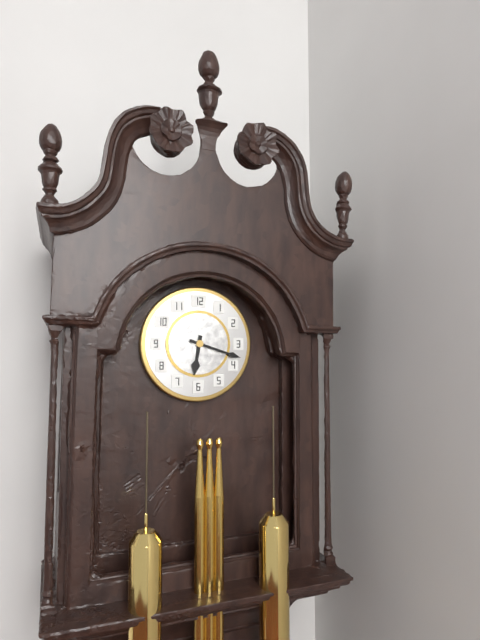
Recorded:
{"hour": 6, "minute": 18}
